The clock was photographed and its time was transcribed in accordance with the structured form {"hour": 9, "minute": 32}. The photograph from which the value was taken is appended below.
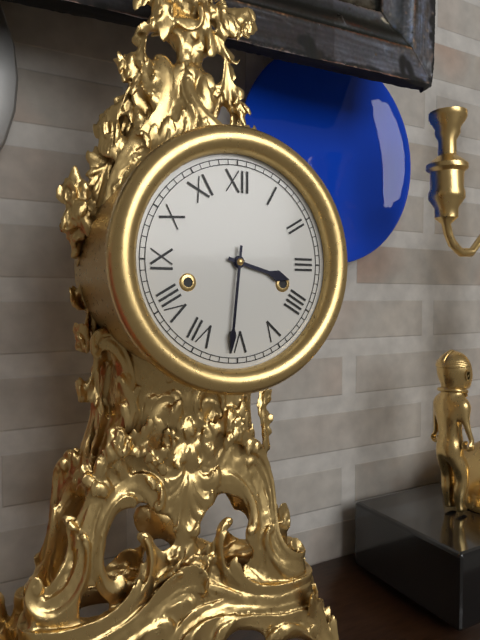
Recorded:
{"hour": 3, "minute": 31}
